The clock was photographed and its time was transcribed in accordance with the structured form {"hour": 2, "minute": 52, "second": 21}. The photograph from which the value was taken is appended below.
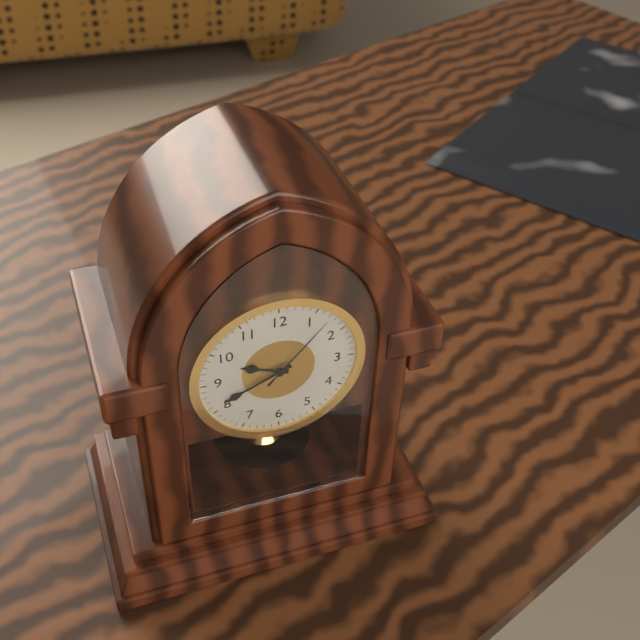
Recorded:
{"hour": 9, "minute": 41, "second": 7}
